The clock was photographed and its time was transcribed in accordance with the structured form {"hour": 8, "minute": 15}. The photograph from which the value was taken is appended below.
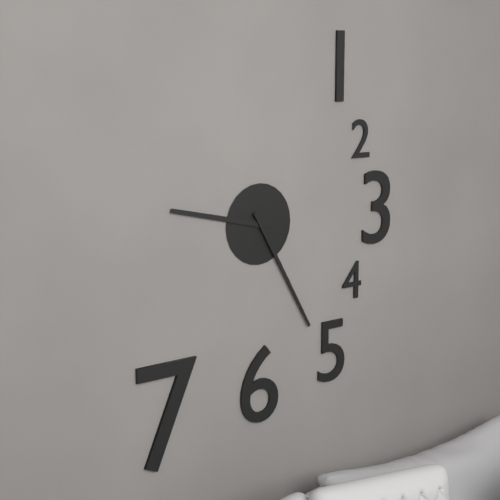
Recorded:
{"hour": 9, "minute": 25}
